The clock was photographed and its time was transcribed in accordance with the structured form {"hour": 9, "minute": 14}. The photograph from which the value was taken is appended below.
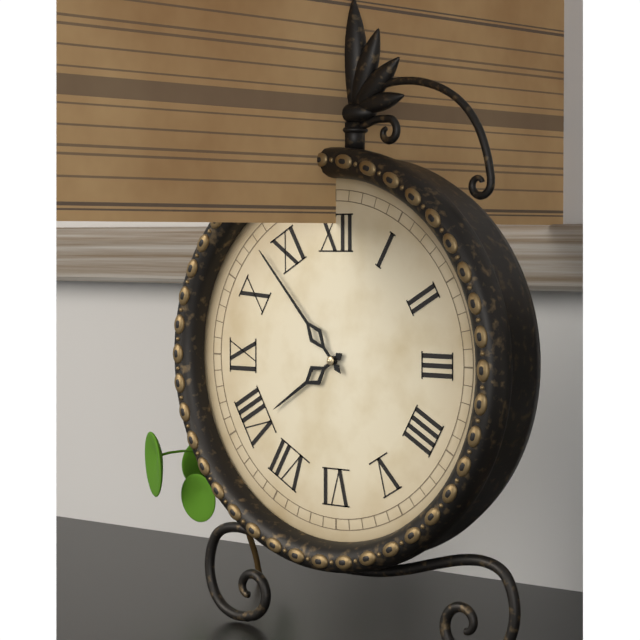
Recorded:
{"hour": 7, "minute": 53}
